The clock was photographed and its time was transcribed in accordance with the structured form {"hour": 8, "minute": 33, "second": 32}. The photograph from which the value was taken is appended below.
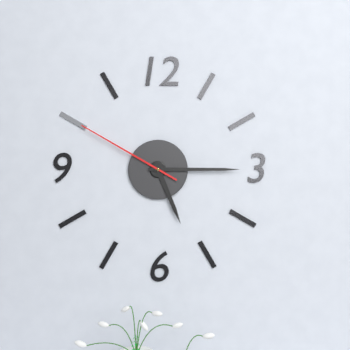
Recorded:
{"hour": 5, "minute": 15, "second": 50}
